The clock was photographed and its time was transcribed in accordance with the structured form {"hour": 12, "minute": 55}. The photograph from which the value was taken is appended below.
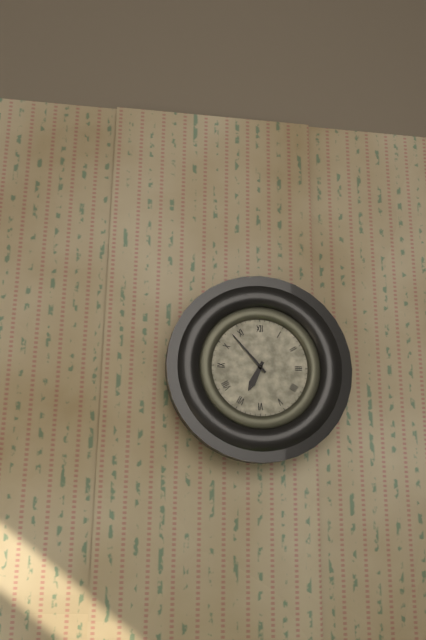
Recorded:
{"hour": 6, "minute": 53}
